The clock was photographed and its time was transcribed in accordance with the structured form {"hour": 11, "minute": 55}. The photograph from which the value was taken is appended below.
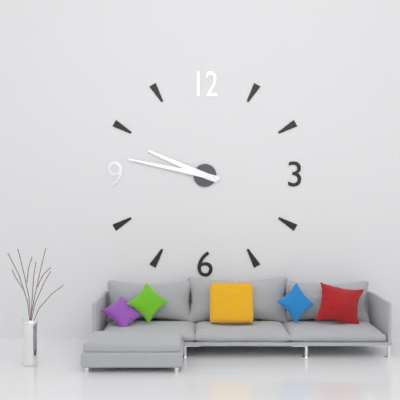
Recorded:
{"hour": 9, "minute": 47}
